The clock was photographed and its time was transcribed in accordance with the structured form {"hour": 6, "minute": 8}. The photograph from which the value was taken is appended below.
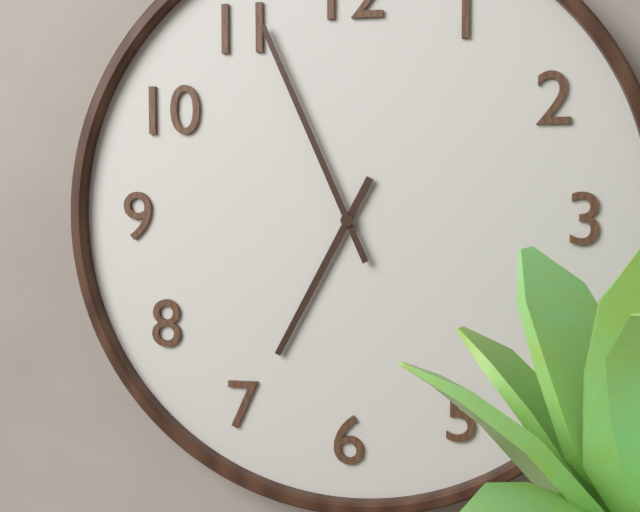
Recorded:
{"hour": 6, "minute": 56}
